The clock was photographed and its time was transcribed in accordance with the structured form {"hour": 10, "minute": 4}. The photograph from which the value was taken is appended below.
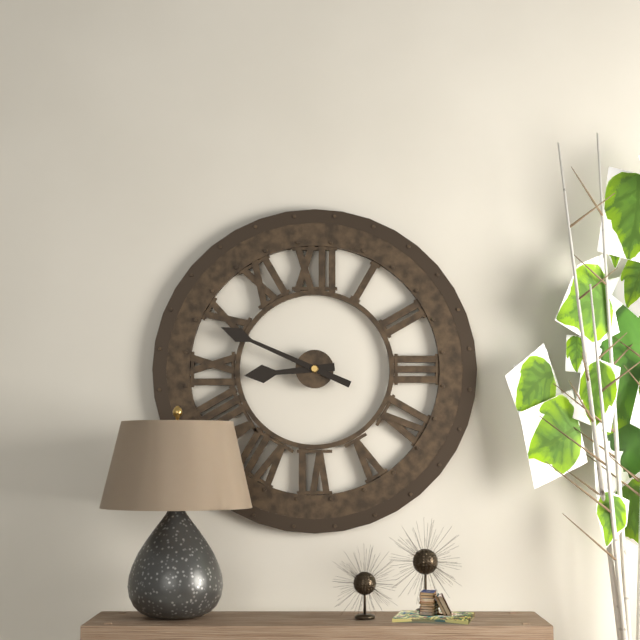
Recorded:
{"hour": 8, "minute": 49}
